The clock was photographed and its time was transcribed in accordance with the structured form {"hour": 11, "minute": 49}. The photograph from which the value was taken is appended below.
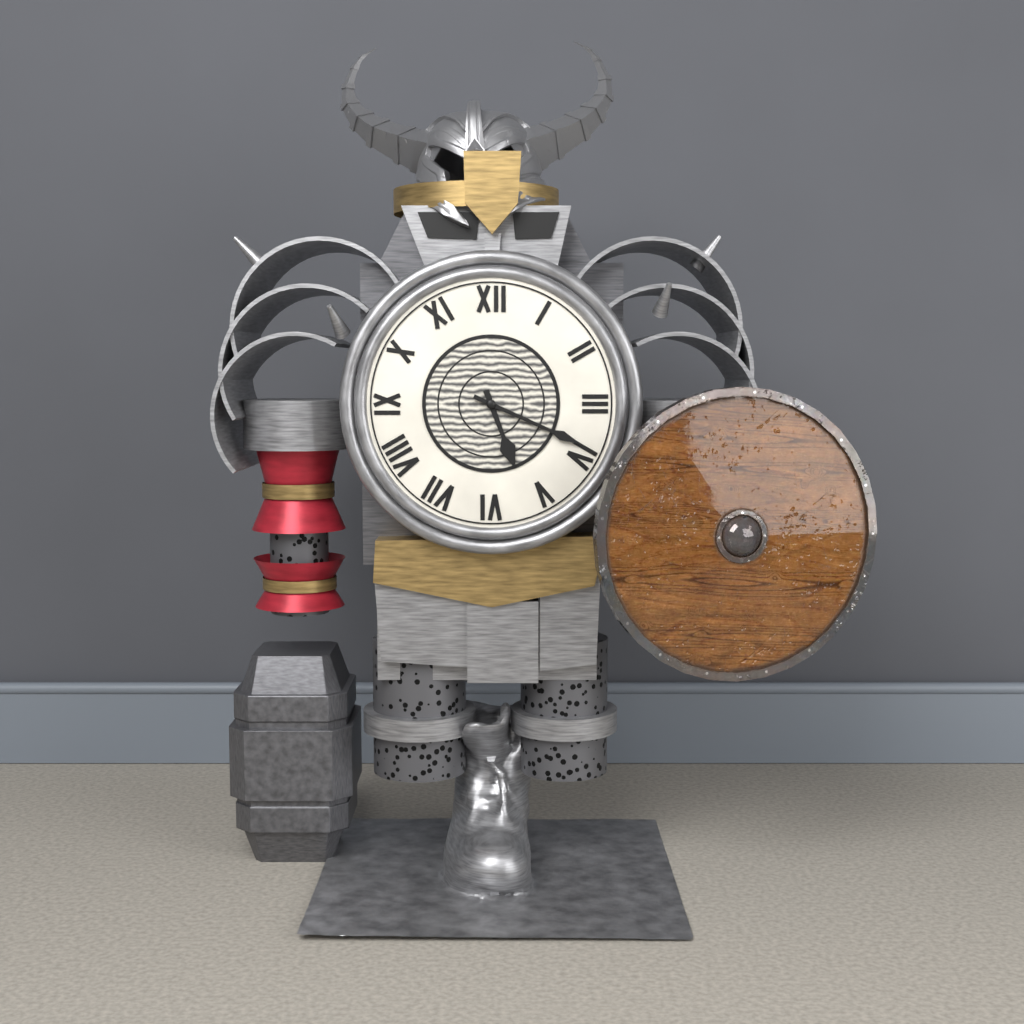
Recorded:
{"hour": 5, "minute": 19}
